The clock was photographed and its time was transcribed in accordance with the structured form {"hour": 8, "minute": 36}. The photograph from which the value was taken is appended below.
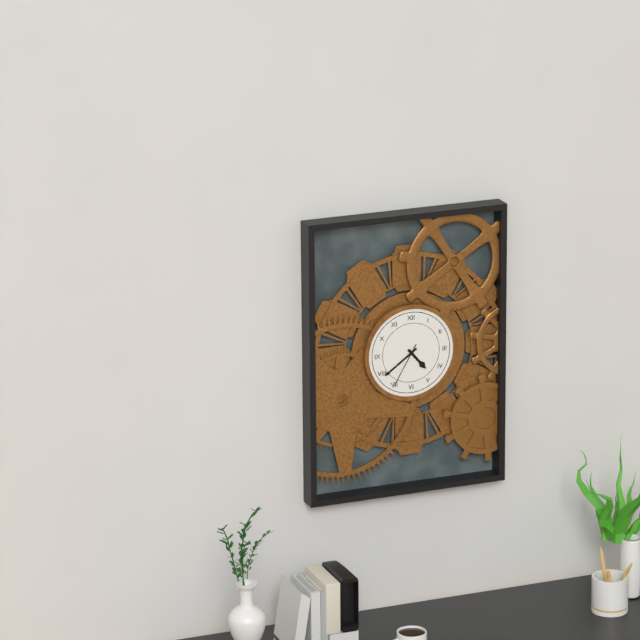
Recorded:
{"hour": 4, "minute": 39}
